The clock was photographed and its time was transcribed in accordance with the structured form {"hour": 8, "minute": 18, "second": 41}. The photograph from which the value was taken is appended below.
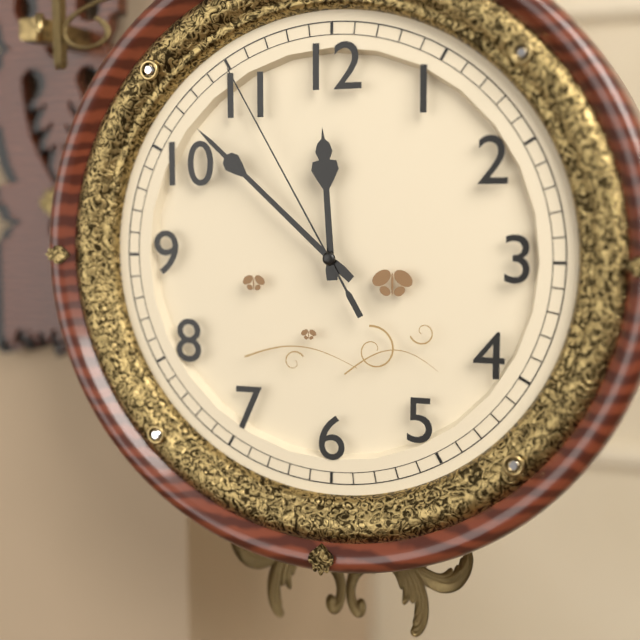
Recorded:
{"hour": 11, "minute": 52, "second": 55}
